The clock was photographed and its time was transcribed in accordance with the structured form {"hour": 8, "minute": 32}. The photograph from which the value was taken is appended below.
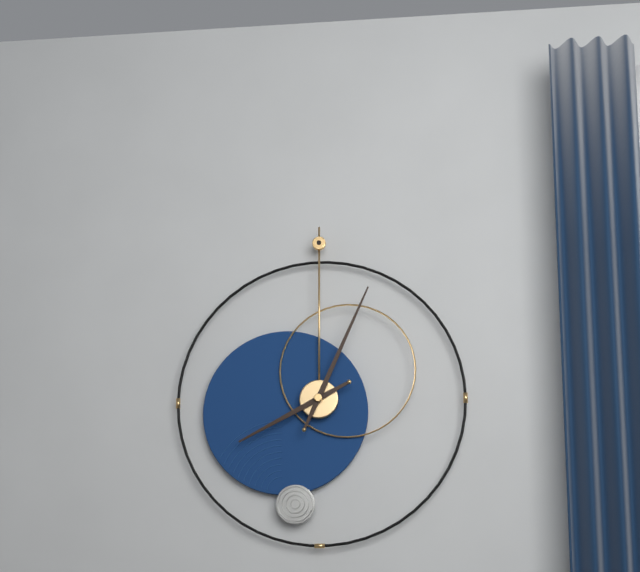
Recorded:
{"hour": 8, "minute": 4}
